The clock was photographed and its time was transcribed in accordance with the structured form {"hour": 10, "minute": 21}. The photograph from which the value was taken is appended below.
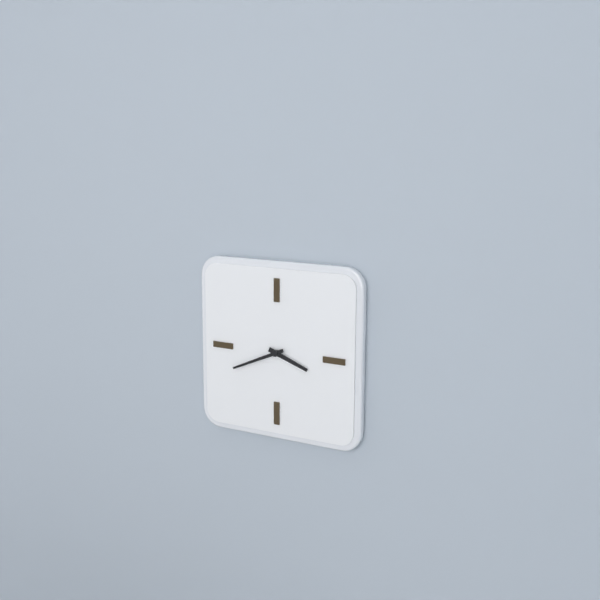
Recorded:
{"hour": 3, "minute": 41}
